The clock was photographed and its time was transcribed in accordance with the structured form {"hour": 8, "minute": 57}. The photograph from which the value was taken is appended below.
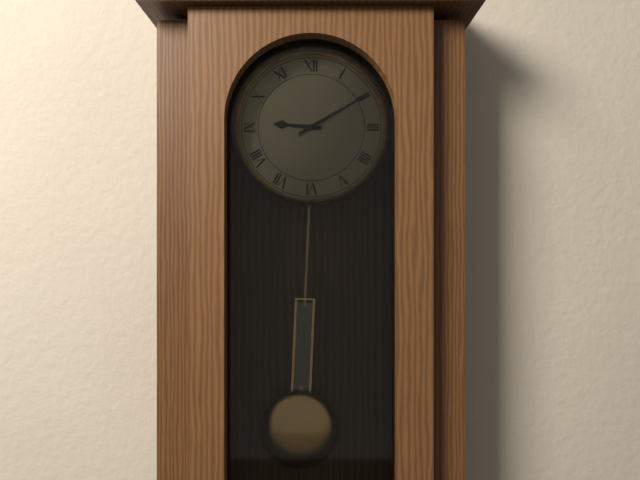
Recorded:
{"hour": 9, "minute": 10}
